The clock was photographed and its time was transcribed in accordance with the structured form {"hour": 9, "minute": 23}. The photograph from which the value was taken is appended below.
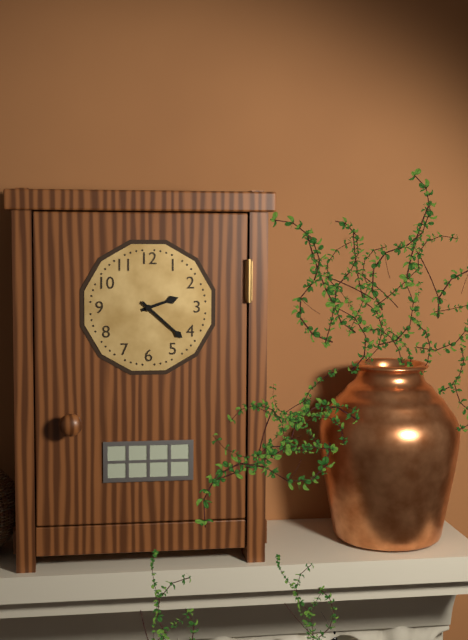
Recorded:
{"hour": 2, "minute": 22}
